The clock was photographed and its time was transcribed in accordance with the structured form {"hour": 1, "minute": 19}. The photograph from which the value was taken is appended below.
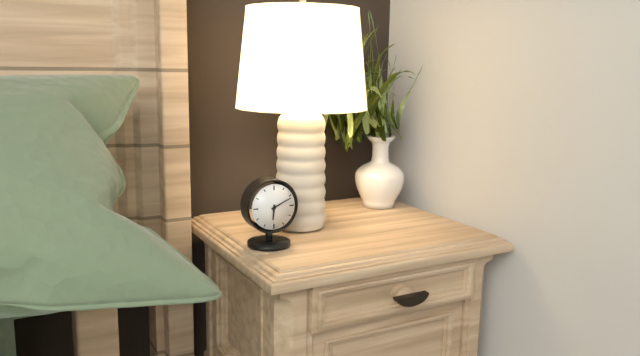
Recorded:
{"hour": 6, "minute": 11}
